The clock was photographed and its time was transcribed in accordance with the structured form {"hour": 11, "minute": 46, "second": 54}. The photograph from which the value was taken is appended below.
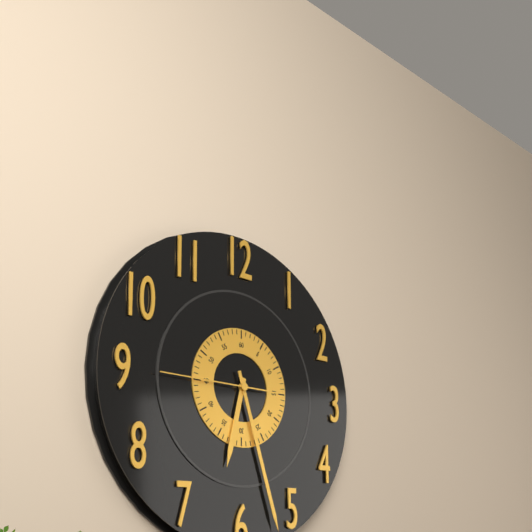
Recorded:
{"hour": 6, "minute": 27, "second": 45}
